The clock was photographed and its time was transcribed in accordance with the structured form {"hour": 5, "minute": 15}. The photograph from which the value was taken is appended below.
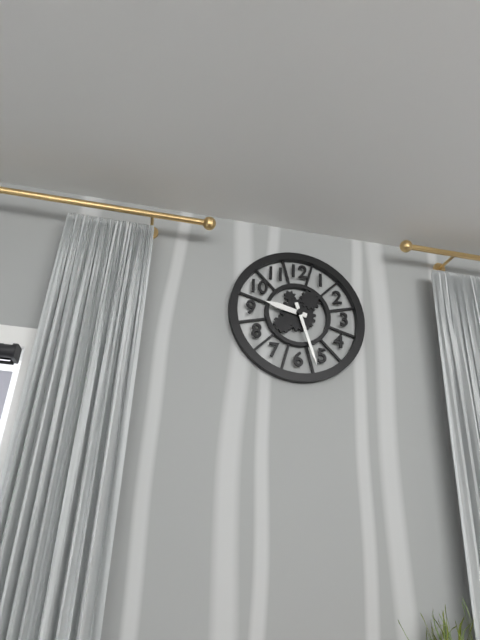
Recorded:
{"hour": 9, "minute": 27}
